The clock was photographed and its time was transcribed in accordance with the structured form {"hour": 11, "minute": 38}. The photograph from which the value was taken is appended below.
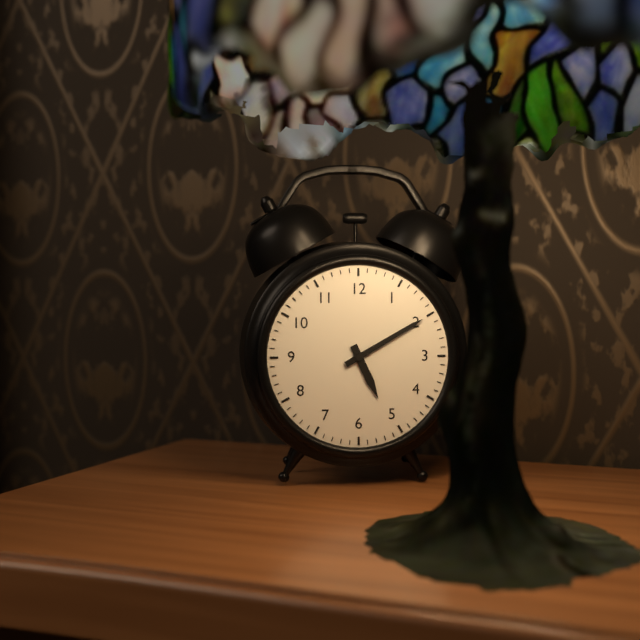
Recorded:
{"hour": 5, "minute": 10}
